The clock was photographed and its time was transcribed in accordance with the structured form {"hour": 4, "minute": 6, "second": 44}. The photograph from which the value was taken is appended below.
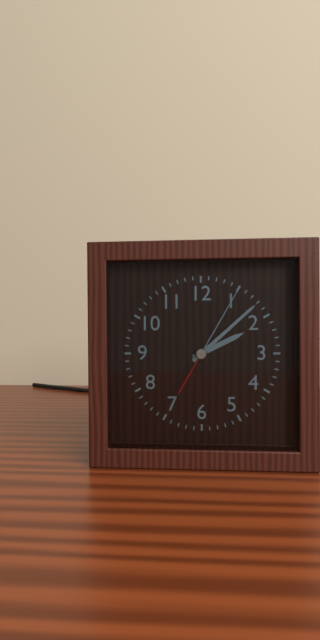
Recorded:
{"hour": 2, "minute": 8, "second": 5}
